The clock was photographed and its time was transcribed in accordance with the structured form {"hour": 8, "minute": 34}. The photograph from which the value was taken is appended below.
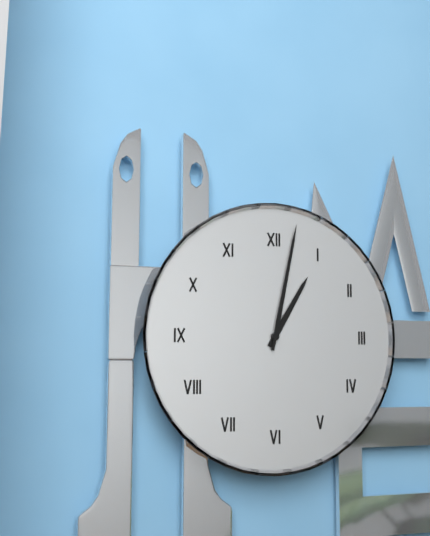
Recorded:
{"hour": 1, "minute": 2}
